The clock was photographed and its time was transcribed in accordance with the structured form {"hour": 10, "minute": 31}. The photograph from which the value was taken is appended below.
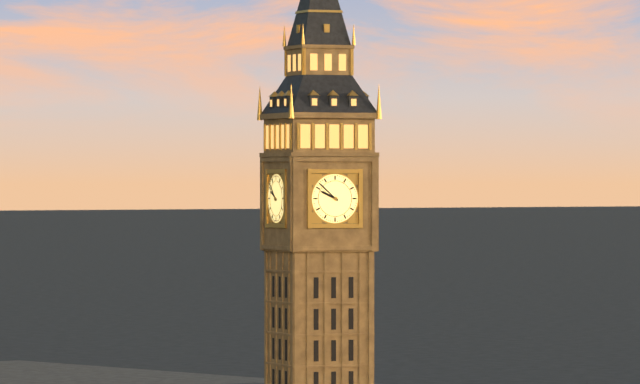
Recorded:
{"hour": 9, "minute": 52}
